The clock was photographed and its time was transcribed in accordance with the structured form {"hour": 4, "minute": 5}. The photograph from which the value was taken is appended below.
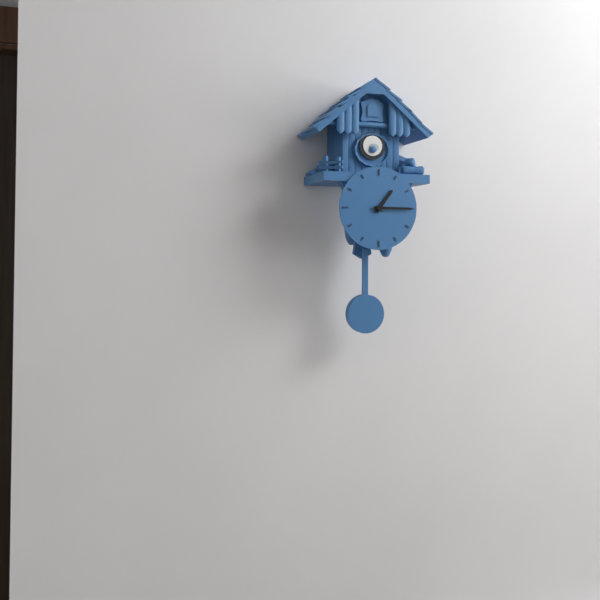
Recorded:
{"hour": 1, "minute": 15}
